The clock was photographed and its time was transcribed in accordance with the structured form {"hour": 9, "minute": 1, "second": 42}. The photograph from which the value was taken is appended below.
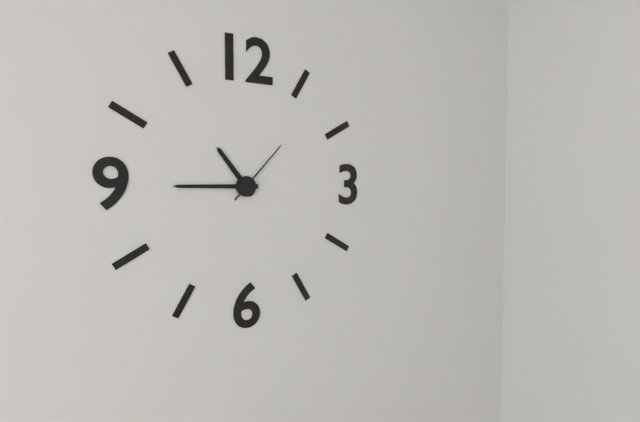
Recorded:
{"hour": 10, "minute": 45, "second": 7}
